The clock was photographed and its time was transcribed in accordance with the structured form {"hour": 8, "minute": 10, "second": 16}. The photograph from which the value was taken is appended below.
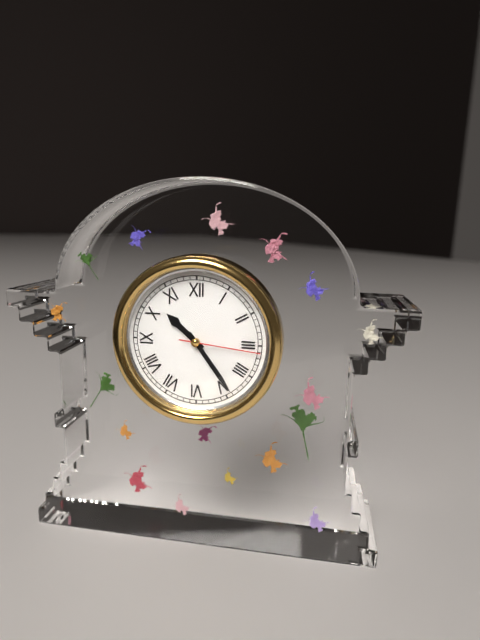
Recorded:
{"hour": 10, "minute": 24, "second": 16}
